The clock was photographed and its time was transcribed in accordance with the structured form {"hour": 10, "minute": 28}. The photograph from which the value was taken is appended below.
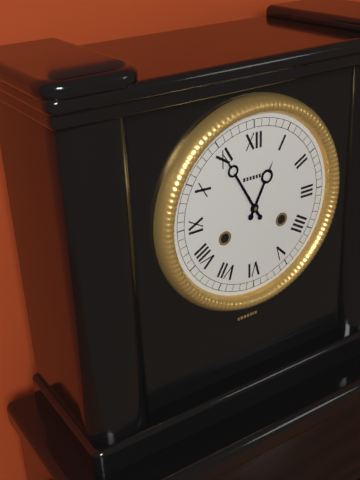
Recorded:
{"hour": 12, "minute": 55}
